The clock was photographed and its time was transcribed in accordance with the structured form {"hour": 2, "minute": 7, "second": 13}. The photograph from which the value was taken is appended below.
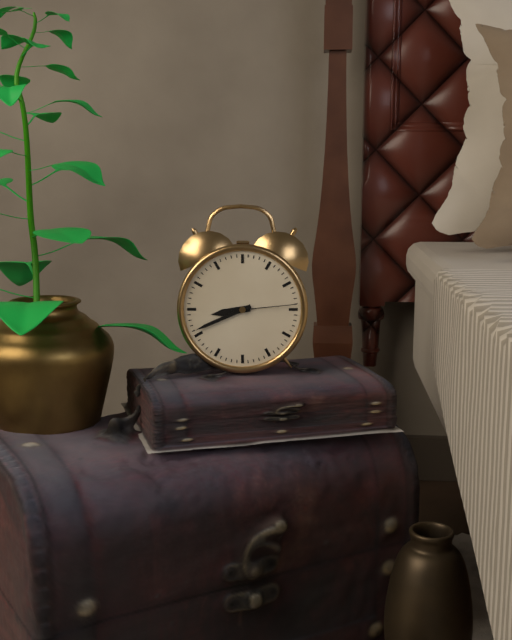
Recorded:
{"hour": 8, "minute": 41, "second": 14}
